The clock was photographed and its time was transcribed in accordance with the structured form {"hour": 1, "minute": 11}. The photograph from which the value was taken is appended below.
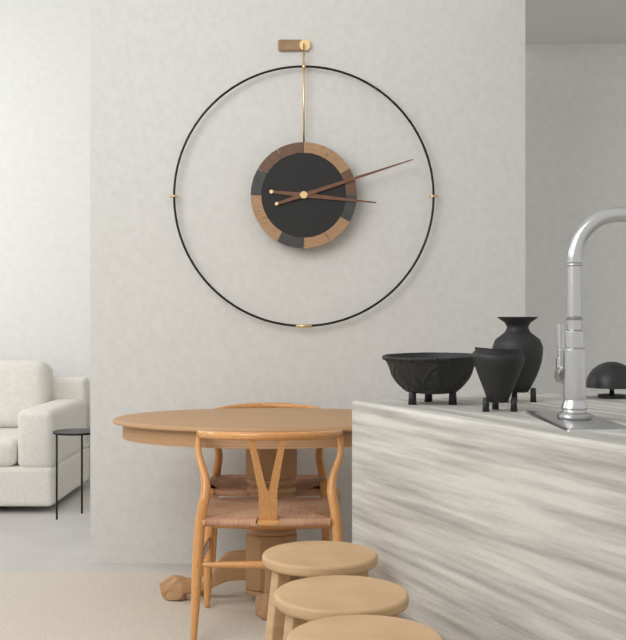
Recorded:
{"hour": 3, "minute": 12}
